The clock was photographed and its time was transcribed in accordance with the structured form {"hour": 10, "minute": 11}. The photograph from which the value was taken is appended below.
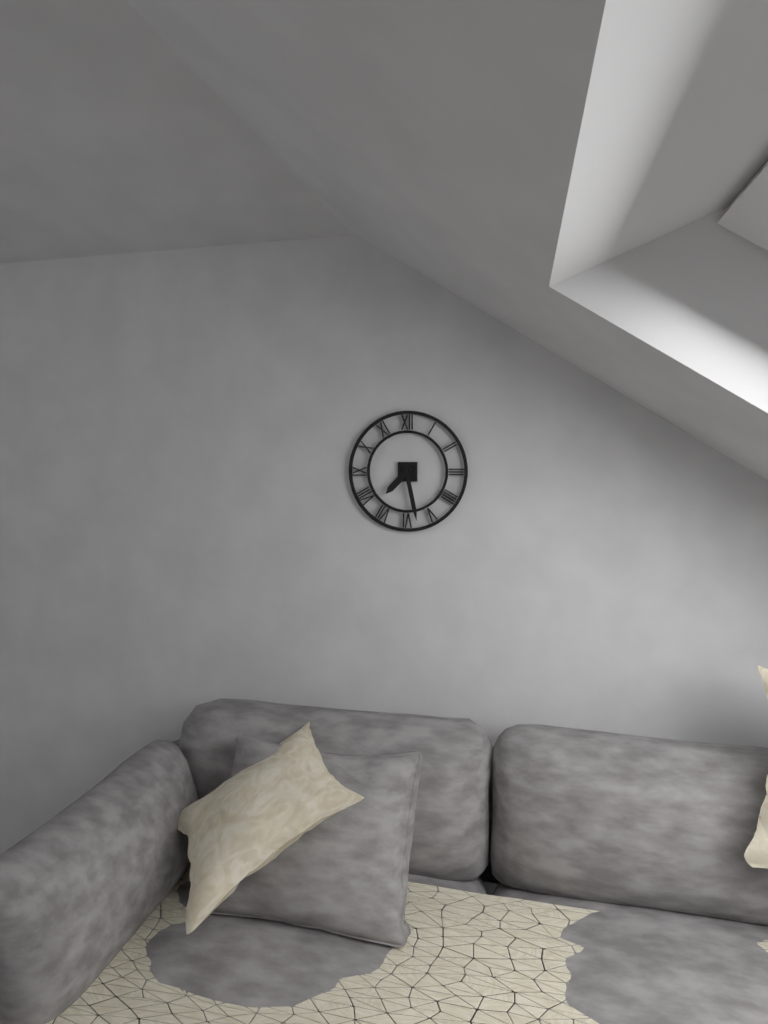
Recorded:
{"hour": 7, "minute": 28}
